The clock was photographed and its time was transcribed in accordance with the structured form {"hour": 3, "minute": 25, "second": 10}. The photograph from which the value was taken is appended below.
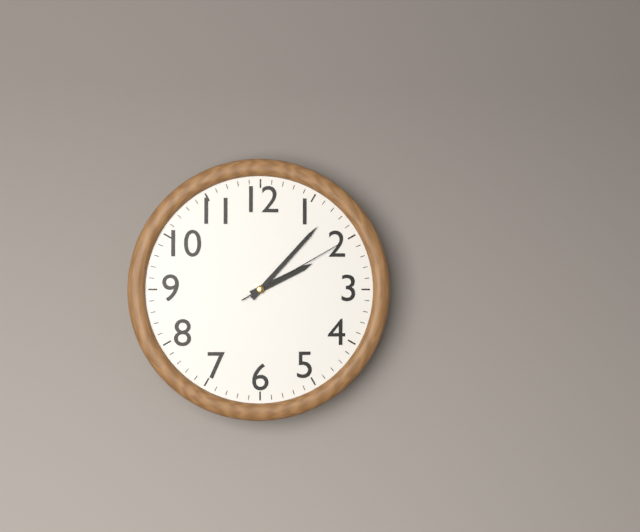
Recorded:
{"hour": 2, "minute": 7, "second": 10}
